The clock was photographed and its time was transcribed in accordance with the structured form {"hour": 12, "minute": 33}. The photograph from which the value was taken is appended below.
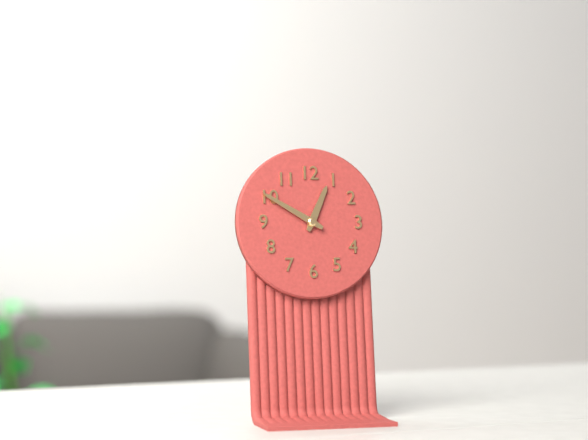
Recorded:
{"hour": 12, "minute": 50}
